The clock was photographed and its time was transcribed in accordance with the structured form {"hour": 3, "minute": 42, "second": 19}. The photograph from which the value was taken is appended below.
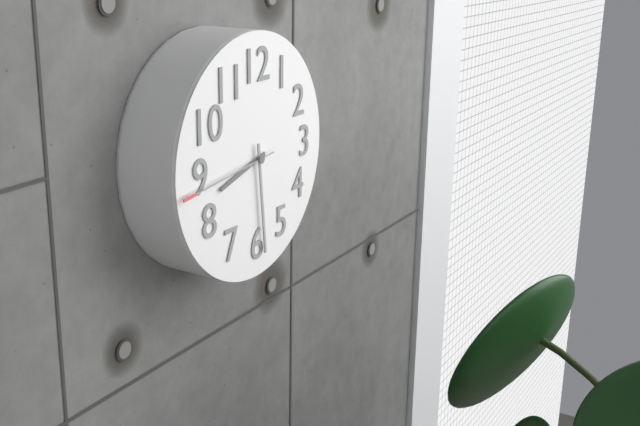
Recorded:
{"hour": 8, "minute": 29, "second": 44}
